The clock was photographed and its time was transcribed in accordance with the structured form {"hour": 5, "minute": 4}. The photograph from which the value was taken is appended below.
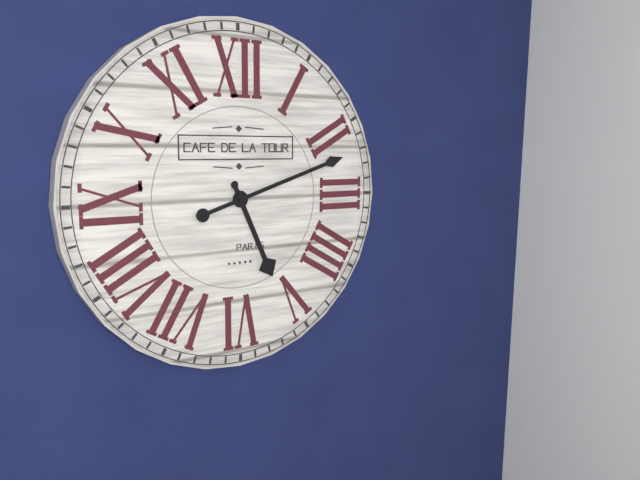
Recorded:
{"hour": 5, "minute": 12}
